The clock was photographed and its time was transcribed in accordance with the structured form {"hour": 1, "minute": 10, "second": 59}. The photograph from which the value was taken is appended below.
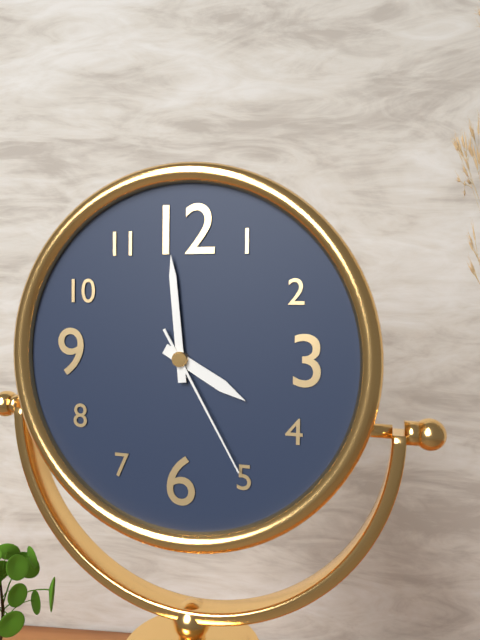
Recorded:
{"hour": 3, "minute": 59, "second": 25}
